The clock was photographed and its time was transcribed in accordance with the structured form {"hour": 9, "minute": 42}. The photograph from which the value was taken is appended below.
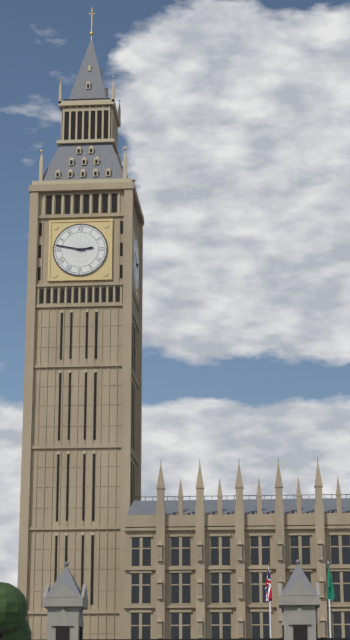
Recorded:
{"hour": 2, "minute": 47}
